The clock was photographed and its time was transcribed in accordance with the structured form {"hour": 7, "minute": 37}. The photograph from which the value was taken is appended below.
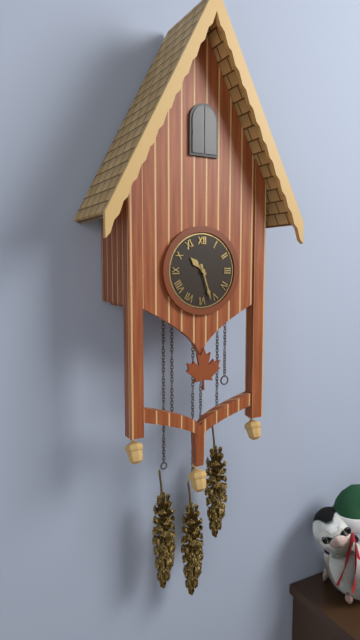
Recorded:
{"hour": 10, "minute": 27}
